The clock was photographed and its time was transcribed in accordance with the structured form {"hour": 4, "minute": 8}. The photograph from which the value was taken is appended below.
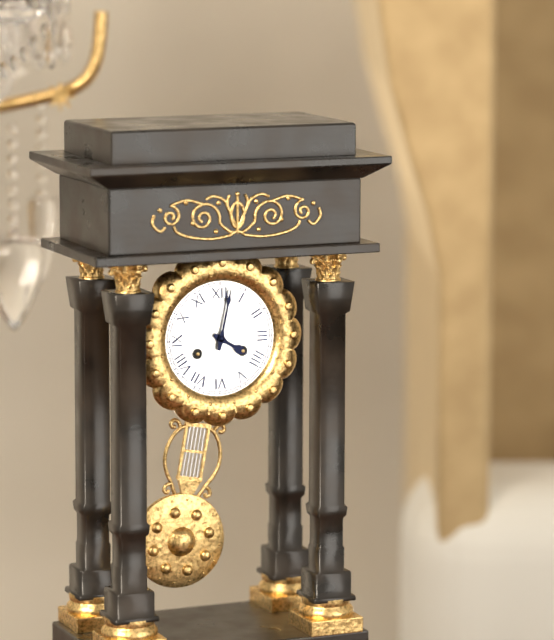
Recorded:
{"hour": 4, "minute": 2}
